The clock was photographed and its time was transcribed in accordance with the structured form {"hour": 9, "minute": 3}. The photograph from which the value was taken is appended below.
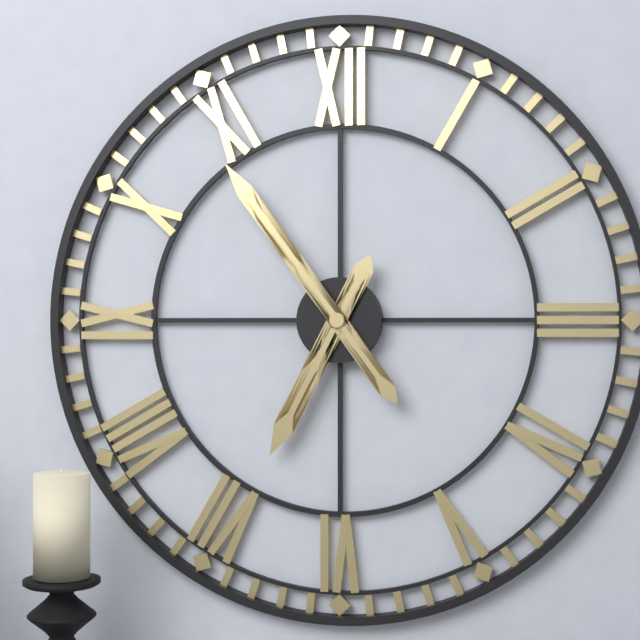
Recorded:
{"hour": 6, "minute": 54}
